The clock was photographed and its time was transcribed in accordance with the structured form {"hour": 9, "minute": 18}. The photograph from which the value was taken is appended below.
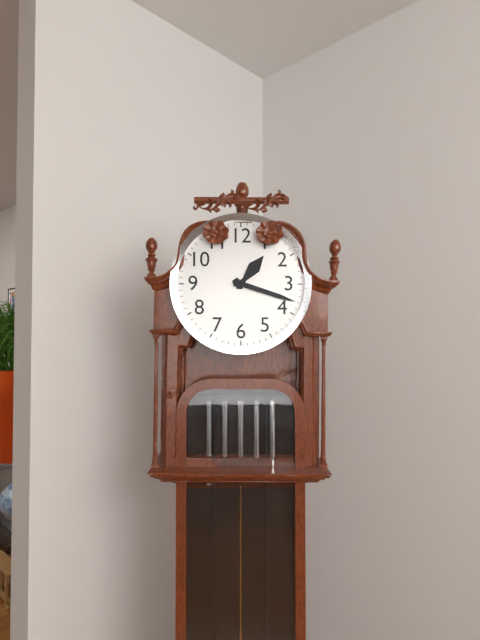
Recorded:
{"hour": 1, "minute": 18}
